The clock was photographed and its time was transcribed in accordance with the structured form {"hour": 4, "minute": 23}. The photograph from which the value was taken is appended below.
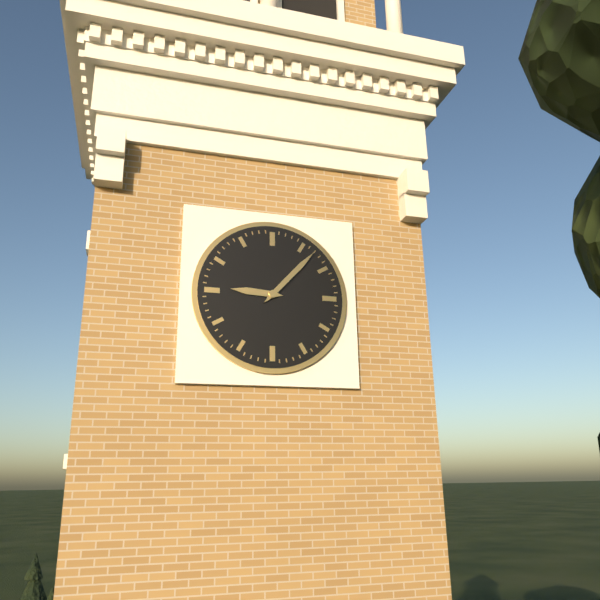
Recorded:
{"hour": 9, "minute": 7}
